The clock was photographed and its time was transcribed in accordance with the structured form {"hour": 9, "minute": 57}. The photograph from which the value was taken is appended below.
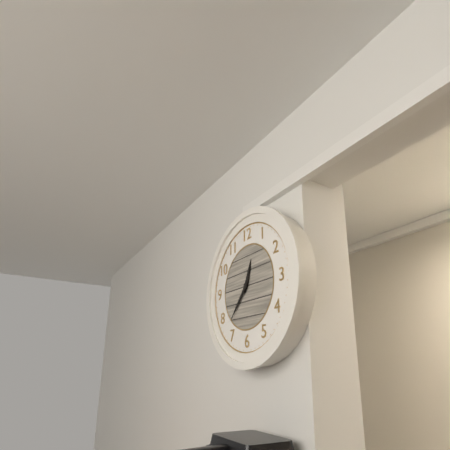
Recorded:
{"hour": 12, "minute": 37}
